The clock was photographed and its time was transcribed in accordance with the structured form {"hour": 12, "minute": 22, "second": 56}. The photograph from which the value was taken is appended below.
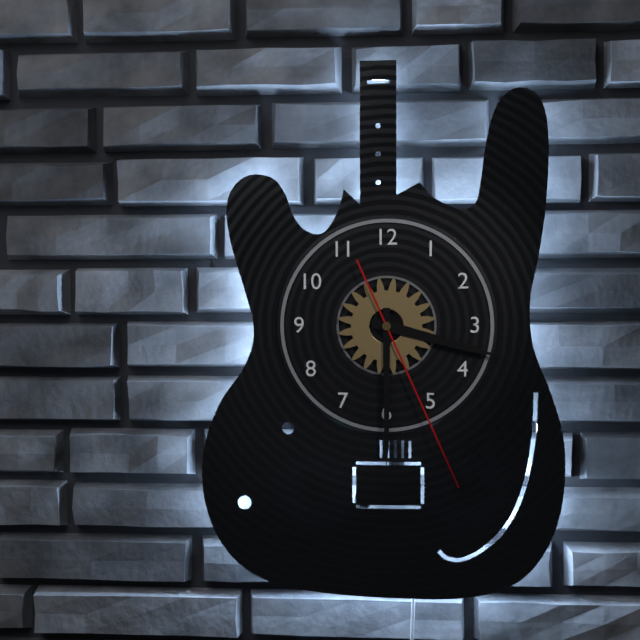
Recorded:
{"hour": 3, "minute": 30, "second": 26}
